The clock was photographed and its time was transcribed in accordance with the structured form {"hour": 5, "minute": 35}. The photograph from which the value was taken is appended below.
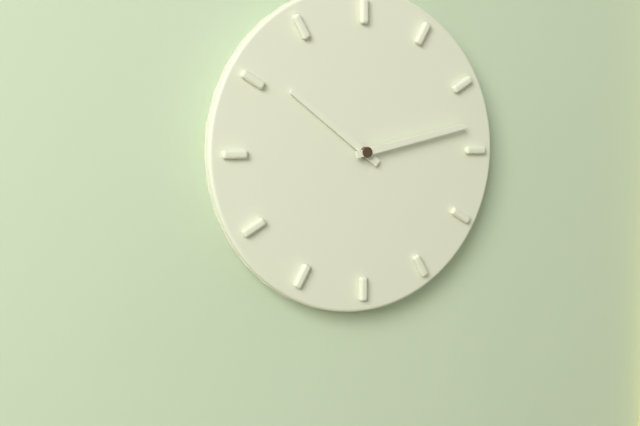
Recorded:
{"hour": 10, "minute": 13}
